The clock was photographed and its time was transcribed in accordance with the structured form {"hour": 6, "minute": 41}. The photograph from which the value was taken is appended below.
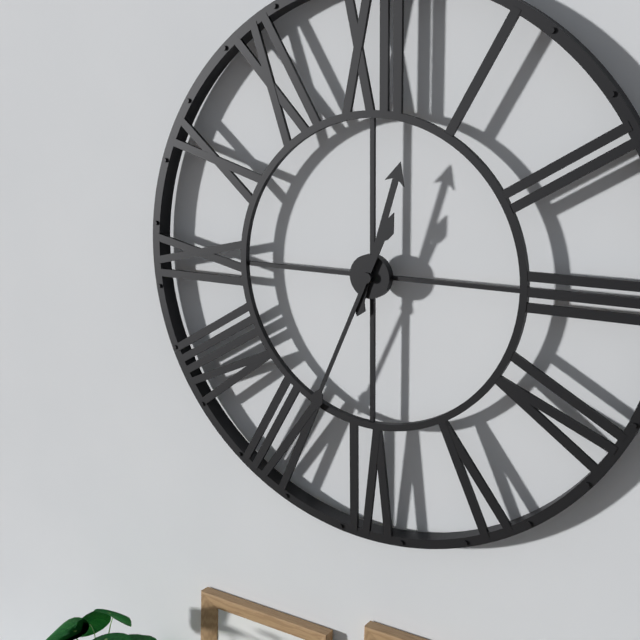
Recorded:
{"hour": 12, "minute": 34}
